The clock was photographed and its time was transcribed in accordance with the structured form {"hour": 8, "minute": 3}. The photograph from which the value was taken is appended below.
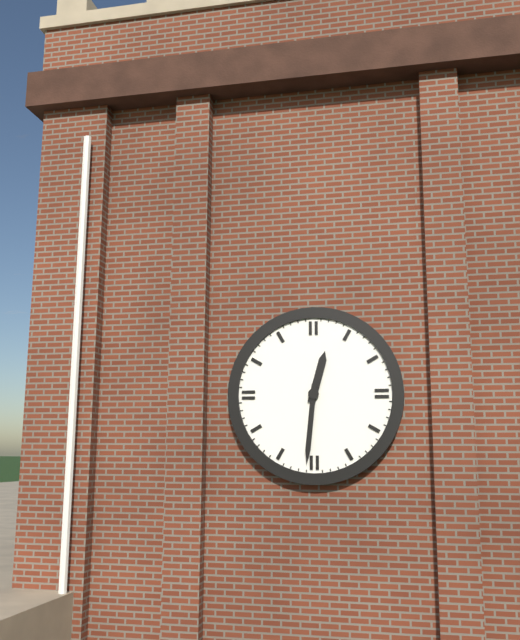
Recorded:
{"hour": 12, "minute": 31}
